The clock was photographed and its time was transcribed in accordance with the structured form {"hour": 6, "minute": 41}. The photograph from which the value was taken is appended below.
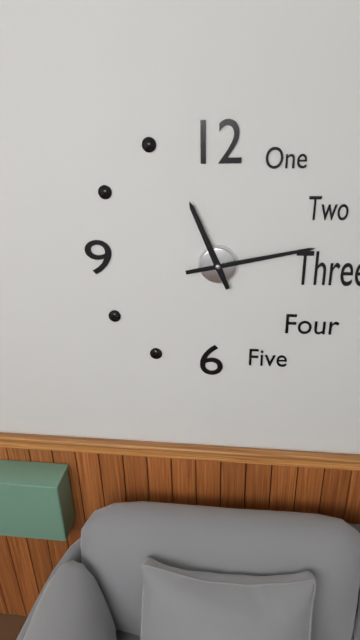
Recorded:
{"hour": 11, "minute": 13}
